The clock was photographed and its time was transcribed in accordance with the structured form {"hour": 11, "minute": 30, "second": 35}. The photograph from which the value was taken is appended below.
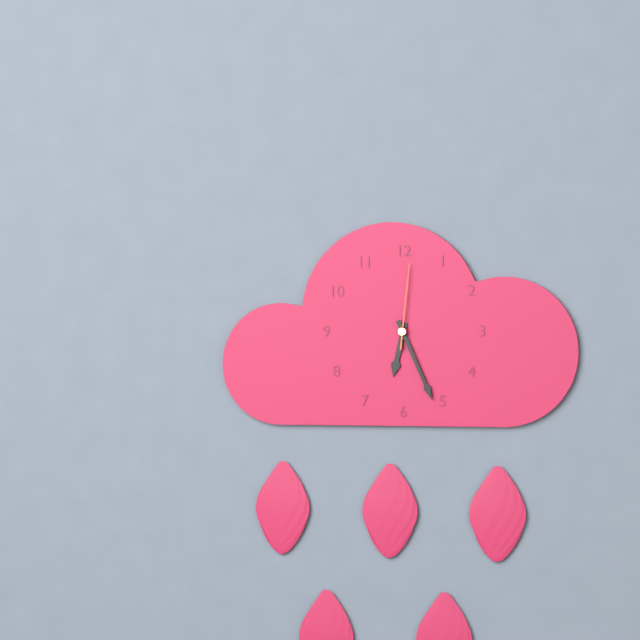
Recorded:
{"hour": 6, "minute": 26, "second": 1}
